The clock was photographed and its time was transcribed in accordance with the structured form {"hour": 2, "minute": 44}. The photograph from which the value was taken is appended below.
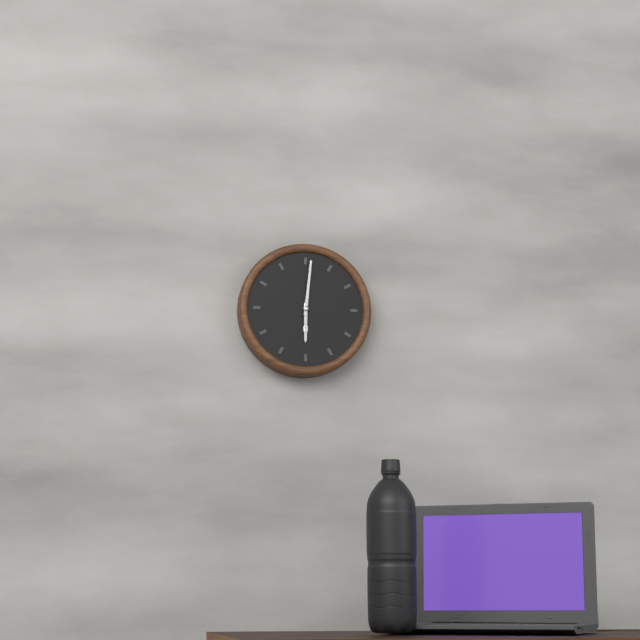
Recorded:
{"hour": 6, "minute": 1}
